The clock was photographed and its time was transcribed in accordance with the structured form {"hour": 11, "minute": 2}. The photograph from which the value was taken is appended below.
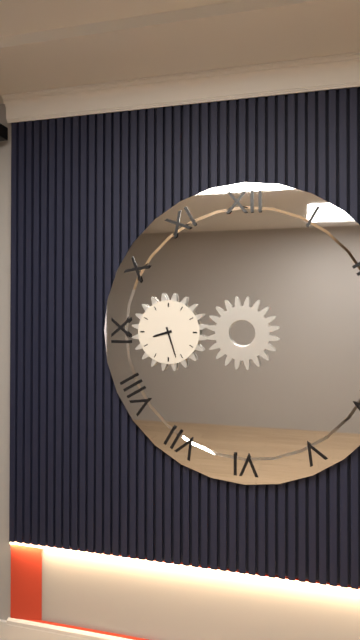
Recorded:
{"hour": 8, "minute": 27}
